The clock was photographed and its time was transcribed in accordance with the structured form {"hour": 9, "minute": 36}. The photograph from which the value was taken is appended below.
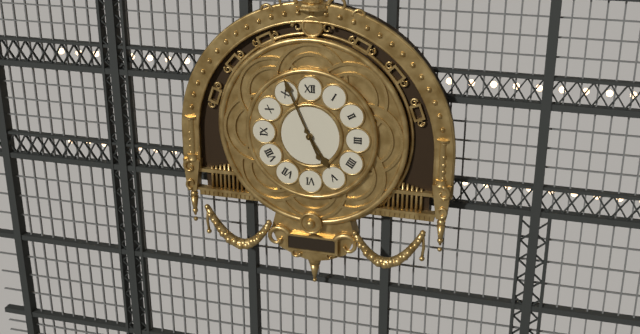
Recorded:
{"hour": 4, "minute": 56}
